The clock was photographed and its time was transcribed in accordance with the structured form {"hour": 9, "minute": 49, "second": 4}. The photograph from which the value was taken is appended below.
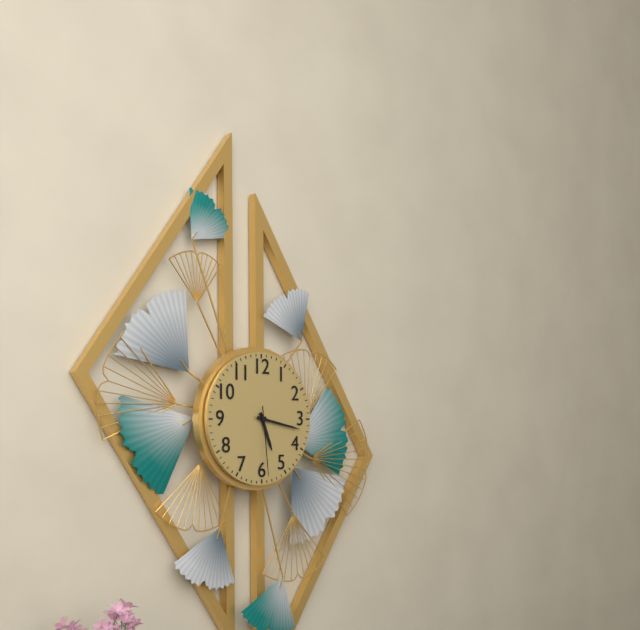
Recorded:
{"hour": 5, "minute": 17, "second": 29}
